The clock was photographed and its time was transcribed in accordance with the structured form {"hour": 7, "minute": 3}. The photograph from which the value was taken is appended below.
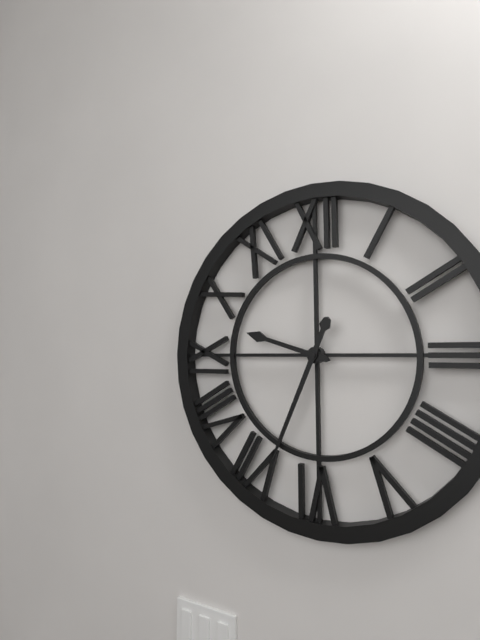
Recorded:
{"hour": 9, "minute": 34}
